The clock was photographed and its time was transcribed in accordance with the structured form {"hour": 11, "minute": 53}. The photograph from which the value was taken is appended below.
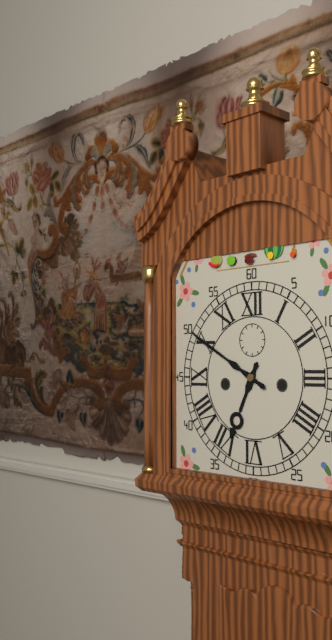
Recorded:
{"hour": 6, "minute": 50}
